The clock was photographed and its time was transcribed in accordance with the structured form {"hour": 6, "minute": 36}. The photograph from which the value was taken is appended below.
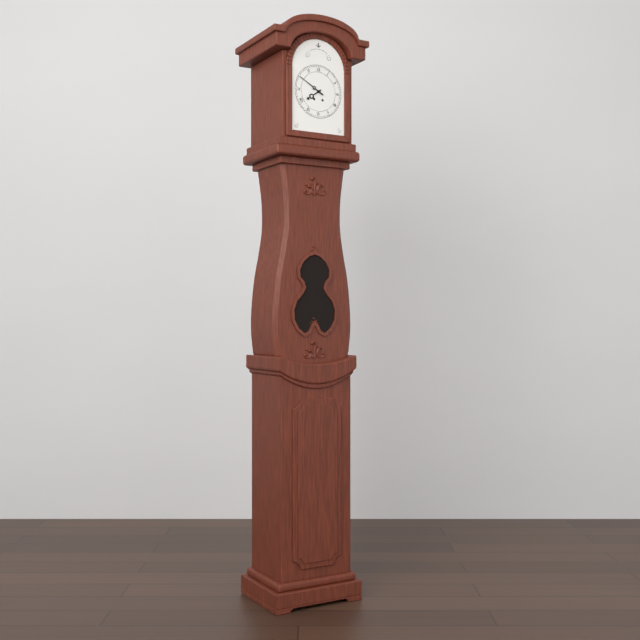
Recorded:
{"hour": 7, "minute": 50}
